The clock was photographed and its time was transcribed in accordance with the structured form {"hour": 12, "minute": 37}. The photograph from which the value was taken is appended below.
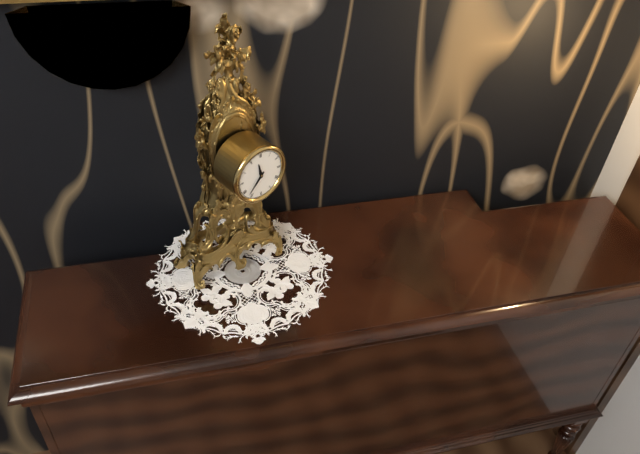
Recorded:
{"hour": 11, "minute": 37}
